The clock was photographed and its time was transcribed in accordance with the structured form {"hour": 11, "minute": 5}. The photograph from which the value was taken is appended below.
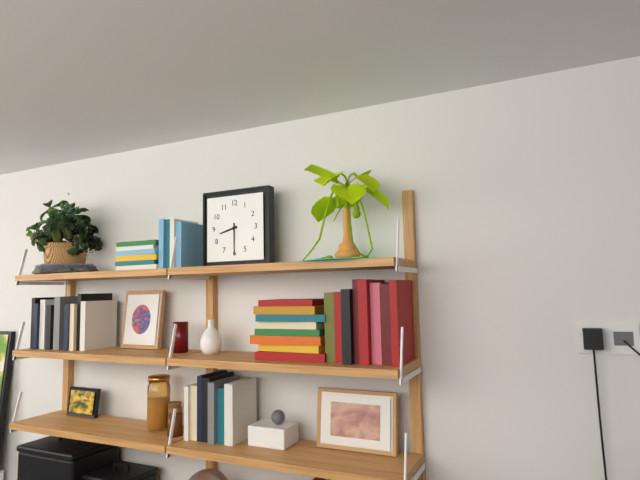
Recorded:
{"hour": 8, "minute": 30}
